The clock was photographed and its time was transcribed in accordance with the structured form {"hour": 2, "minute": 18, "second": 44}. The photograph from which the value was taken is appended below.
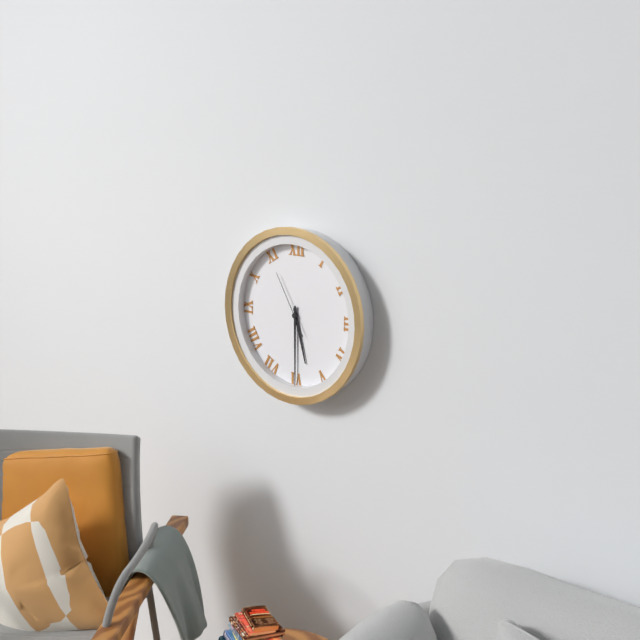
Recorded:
{"hour": 5, "minute": 30, "second": 55}
